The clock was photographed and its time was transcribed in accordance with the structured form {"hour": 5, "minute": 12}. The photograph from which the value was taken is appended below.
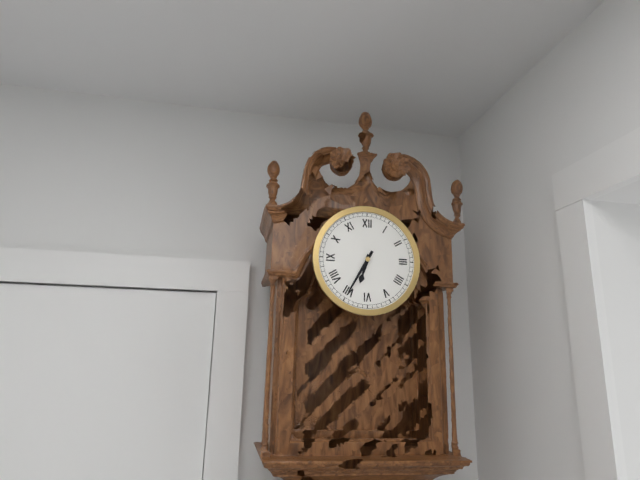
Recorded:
{"hour": 6, "minute": 35}
